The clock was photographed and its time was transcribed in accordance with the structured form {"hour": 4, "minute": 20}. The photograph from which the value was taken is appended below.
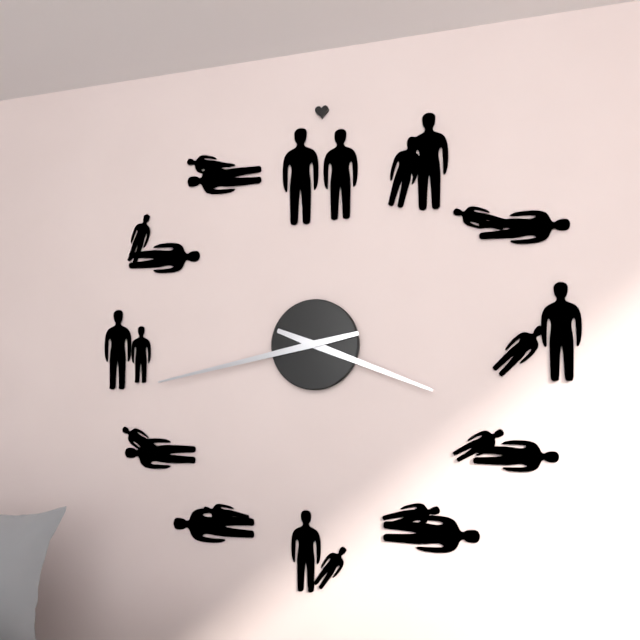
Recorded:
{"hour": 3, "minute": 43}
